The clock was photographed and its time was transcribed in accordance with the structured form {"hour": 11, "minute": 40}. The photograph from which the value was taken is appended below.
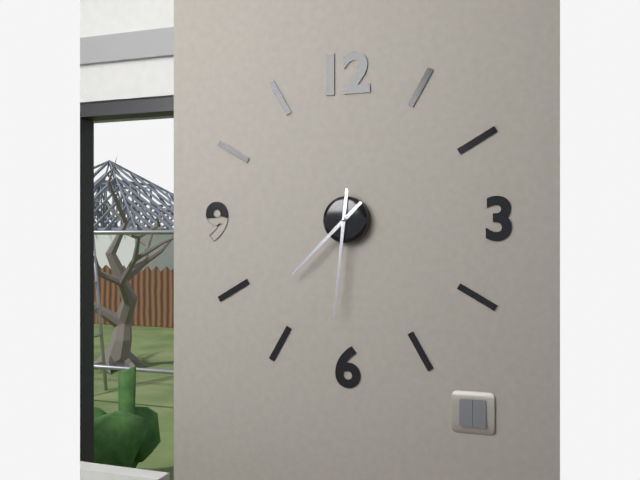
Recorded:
{"hour": 7, "minute": 31}
